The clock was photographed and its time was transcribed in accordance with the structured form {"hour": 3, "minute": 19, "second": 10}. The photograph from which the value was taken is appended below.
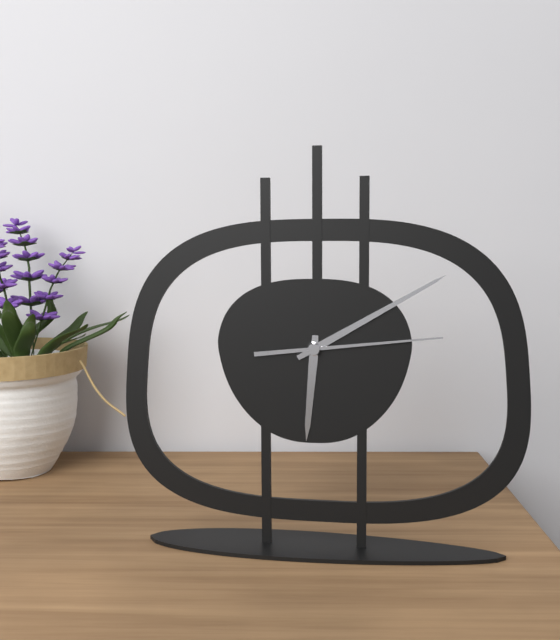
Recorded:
{"hour": 6, "minute": 10, "second": 14}
